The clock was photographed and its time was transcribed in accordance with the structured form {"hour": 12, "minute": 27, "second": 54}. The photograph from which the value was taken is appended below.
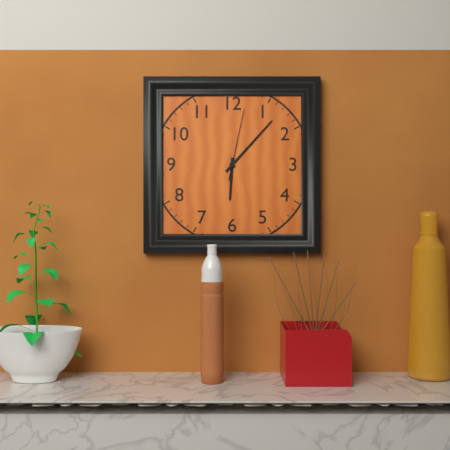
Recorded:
{"hour": 6, "minute": 7, "second": 2}
